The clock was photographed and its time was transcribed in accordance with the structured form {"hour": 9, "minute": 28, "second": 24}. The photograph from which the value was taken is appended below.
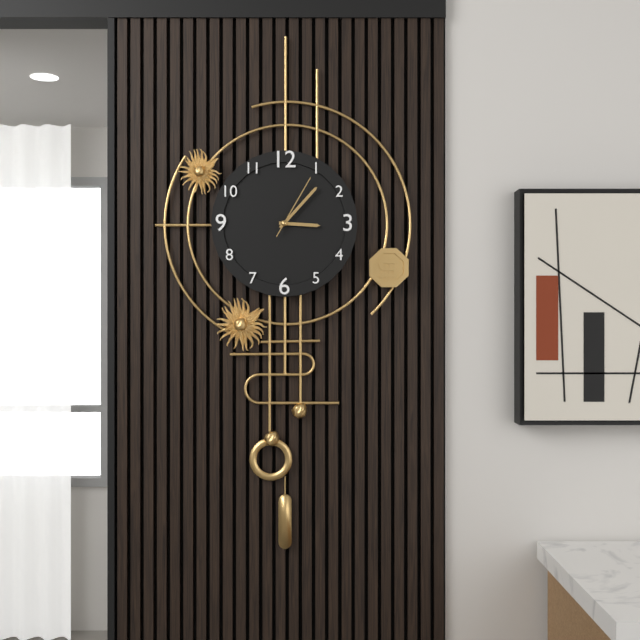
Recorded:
{"hour": 3, "minute": 7, "second": 5}
